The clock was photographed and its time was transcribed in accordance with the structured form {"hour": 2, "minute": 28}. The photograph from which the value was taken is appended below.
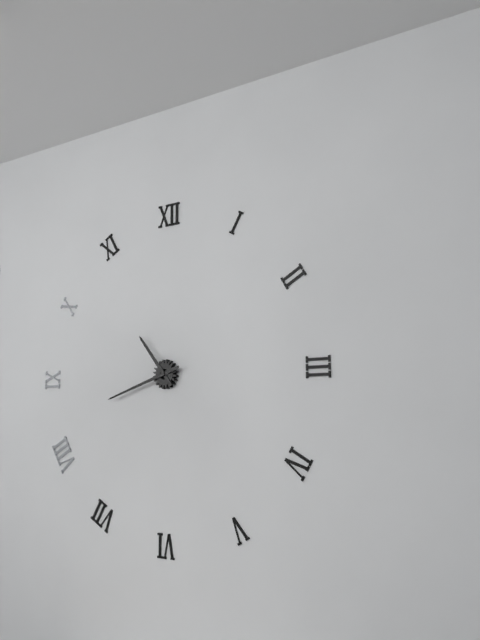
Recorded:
{"hour": 10, "minute": 42}
